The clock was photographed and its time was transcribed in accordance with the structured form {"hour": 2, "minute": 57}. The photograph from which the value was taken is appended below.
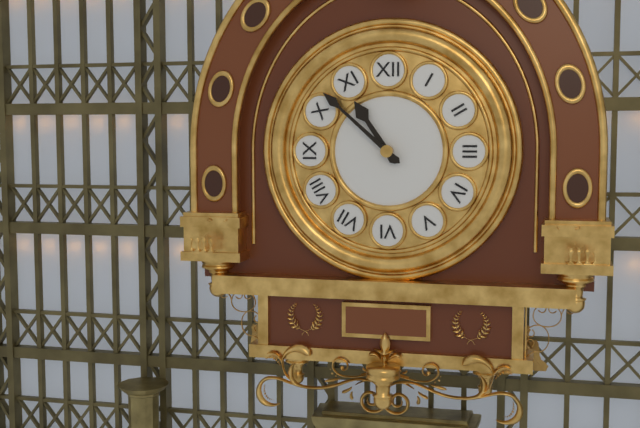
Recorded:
{"hour": 10, "minute": 52}
